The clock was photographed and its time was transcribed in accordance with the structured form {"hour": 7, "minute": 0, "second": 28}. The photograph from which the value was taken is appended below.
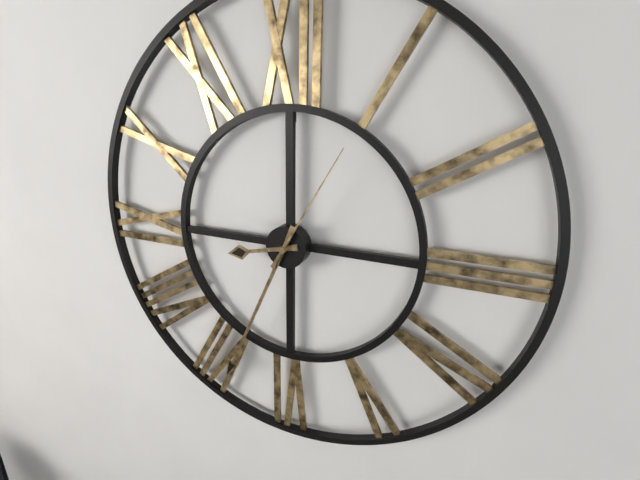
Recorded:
{"hour": 8, "minute": 34, "second": 5}
